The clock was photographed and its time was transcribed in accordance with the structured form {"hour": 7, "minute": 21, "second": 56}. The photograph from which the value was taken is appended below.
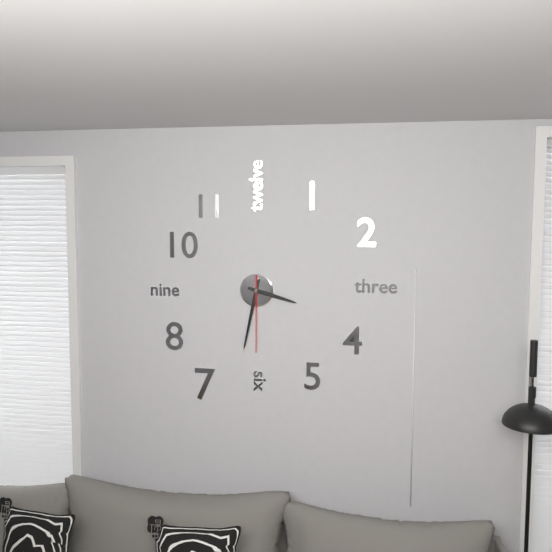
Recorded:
{"hour": 3, "minute": 32, "second": 30}
